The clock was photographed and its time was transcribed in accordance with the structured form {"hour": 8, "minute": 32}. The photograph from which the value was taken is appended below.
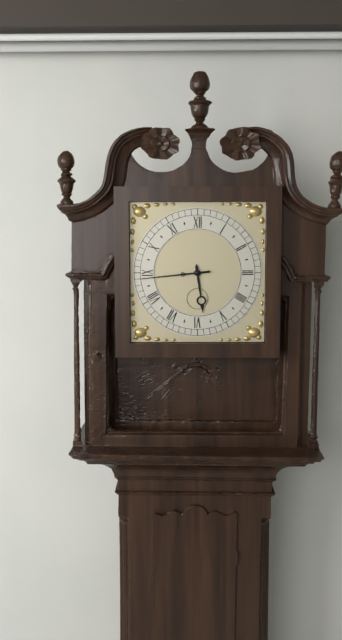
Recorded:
{"hour": 5, "minute": 44}
